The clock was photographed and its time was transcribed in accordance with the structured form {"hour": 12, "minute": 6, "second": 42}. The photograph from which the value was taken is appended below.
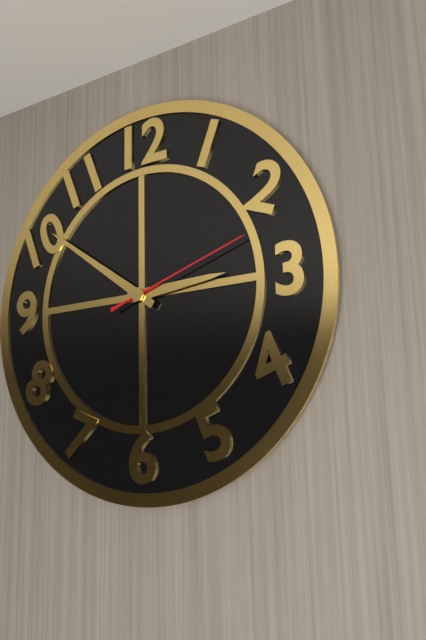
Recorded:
{"hour": 2, "minute": 51, "second": 12}
